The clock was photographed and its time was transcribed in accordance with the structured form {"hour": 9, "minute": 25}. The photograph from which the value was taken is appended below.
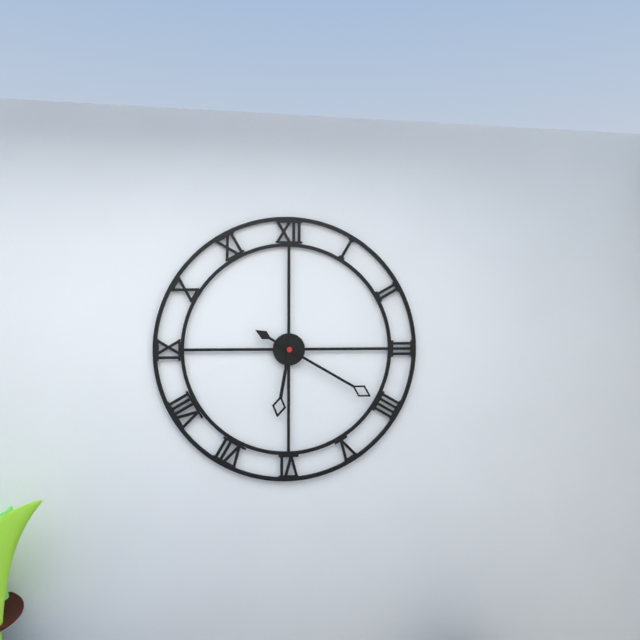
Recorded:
{"hour": 6, "minute": 20}
